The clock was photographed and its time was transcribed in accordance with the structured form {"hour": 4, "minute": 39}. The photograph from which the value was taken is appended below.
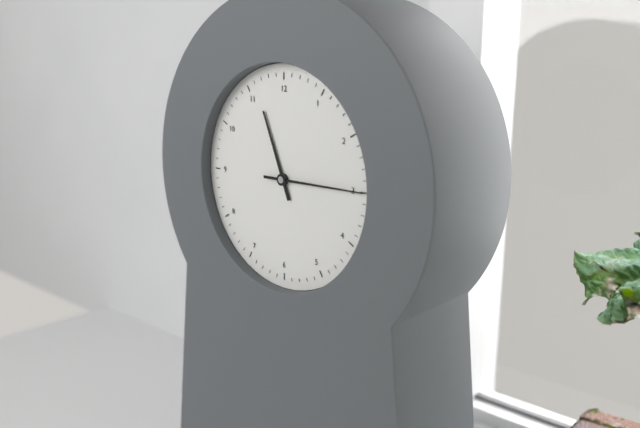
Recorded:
{"hour": 11, "minute": 15}
